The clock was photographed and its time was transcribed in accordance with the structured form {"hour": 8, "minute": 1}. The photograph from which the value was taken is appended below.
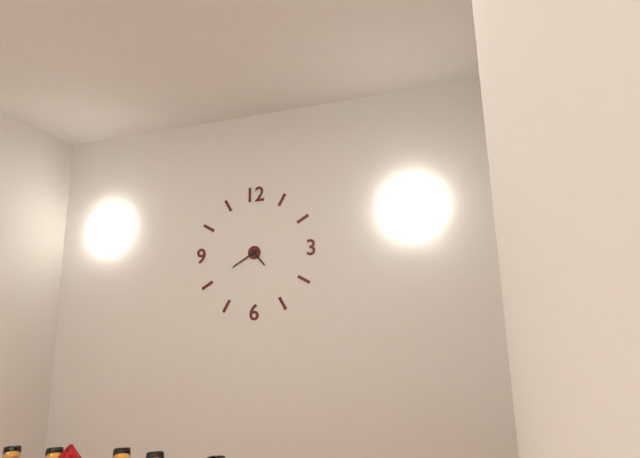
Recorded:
{"hour": 4, "minute": 40}
